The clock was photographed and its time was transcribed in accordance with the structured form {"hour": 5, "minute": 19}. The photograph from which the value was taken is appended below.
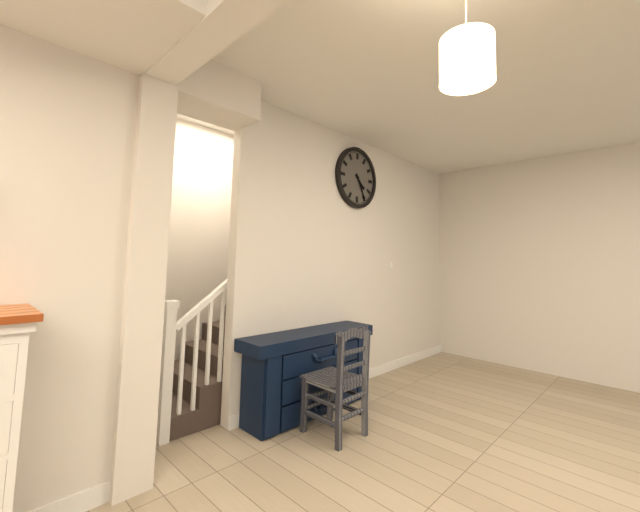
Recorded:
{"hour": 4, "minute": 25}
